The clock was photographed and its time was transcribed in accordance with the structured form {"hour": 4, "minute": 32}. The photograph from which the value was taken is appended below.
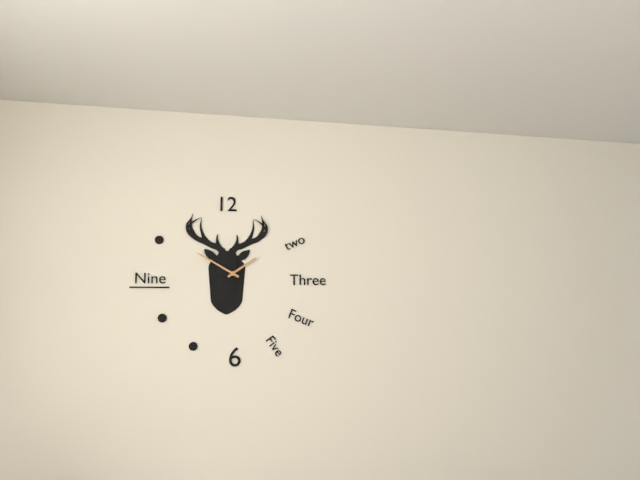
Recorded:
{"hour": 1, "minute": 50}
